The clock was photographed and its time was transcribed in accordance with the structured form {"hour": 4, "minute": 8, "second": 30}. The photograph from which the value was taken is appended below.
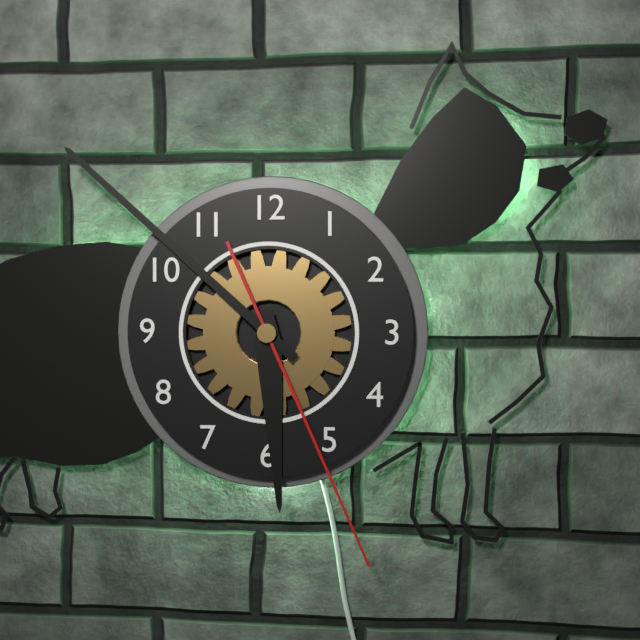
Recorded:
{"hour": 5, "minute": 52, "second": 26}
